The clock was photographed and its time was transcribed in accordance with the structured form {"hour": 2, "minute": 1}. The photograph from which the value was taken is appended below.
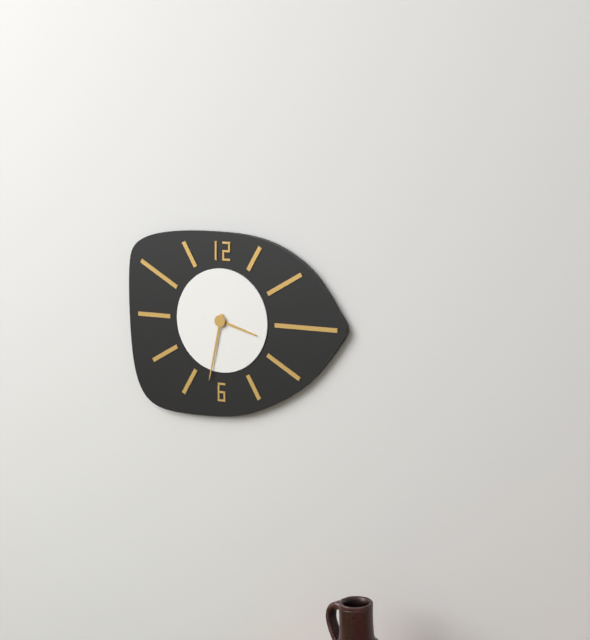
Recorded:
{"hour": 3, "minute": 32}
